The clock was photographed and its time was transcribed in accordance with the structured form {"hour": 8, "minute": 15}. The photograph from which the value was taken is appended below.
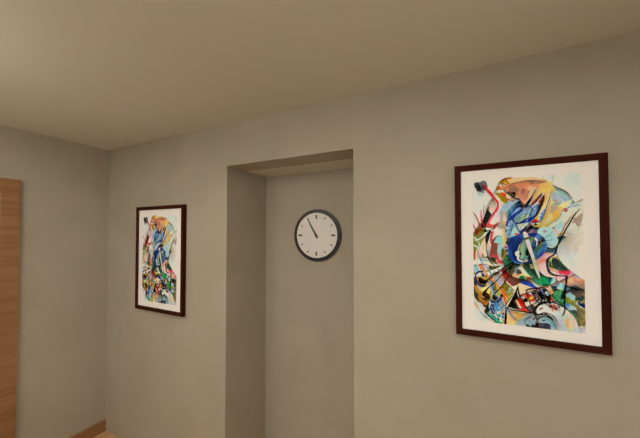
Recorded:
{"hour": 10, "minute": 55}
